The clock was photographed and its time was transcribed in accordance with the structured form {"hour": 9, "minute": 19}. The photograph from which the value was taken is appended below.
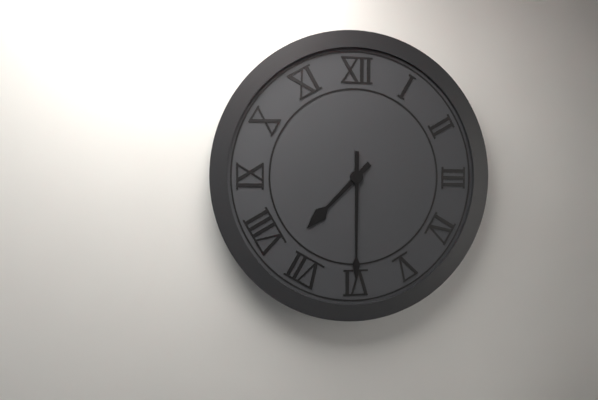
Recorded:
{"hour": 7, "minute": 30}
